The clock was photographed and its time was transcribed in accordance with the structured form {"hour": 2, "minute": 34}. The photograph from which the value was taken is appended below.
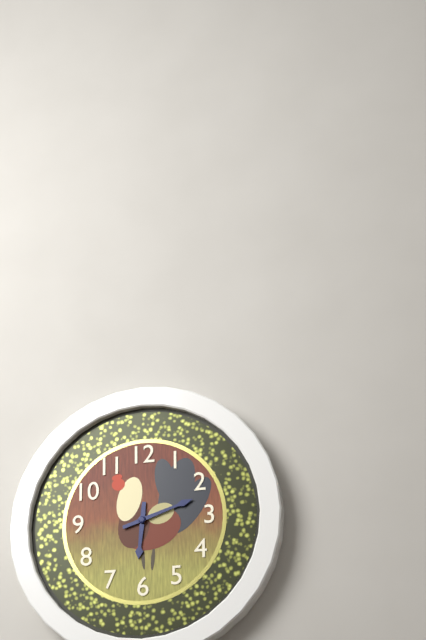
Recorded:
{"hour": 6, "minute": 12}
